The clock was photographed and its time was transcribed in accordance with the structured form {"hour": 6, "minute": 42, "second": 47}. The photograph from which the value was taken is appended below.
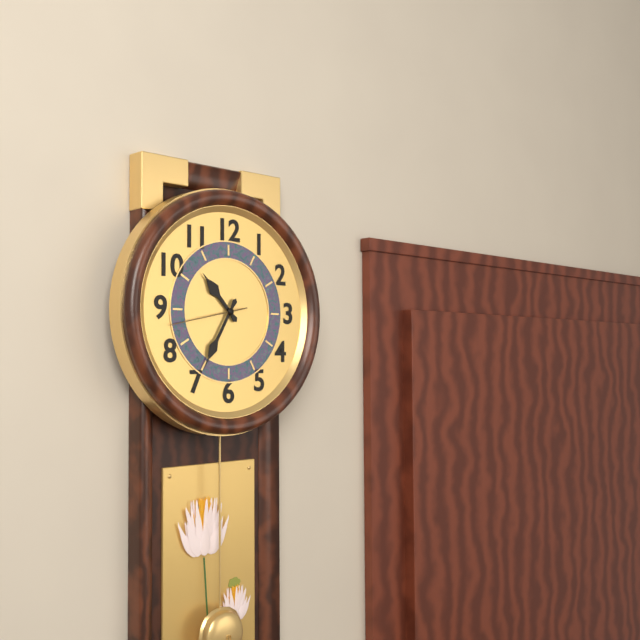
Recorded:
{"hour": 10, "minute": 35, "second": 43}
